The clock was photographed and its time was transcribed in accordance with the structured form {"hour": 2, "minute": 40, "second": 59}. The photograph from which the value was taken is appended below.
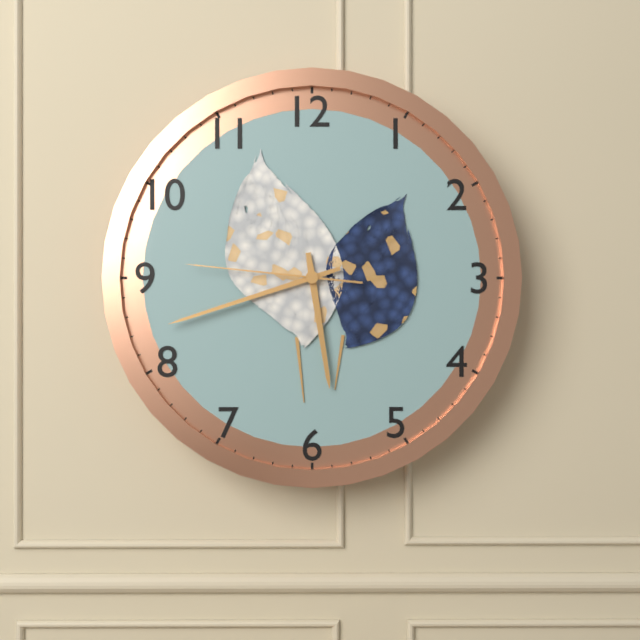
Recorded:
{"hour": 5, "minute": 42, "second": 46}
